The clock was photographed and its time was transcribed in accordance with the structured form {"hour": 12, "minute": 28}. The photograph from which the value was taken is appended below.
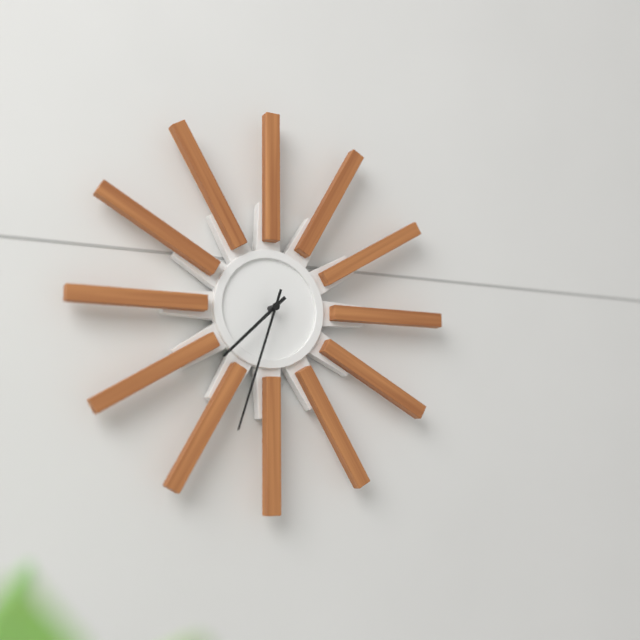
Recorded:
{"hour": 7, "minute": 33}
